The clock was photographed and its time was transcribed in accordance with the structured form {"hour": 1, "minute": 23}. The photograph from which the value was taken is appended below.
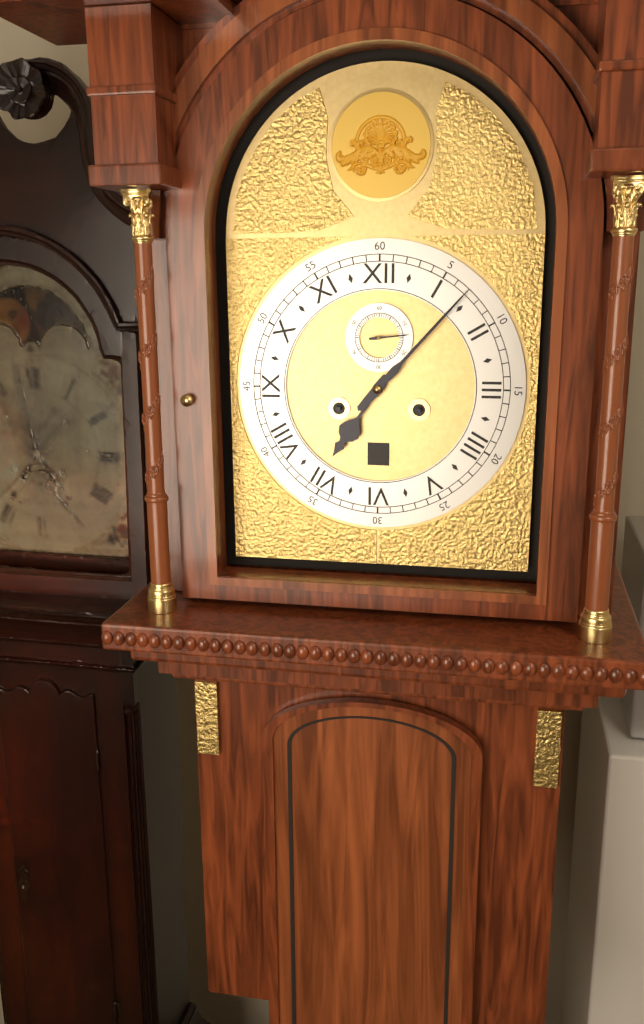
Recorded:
{"hour": 7, "minute": 7}
